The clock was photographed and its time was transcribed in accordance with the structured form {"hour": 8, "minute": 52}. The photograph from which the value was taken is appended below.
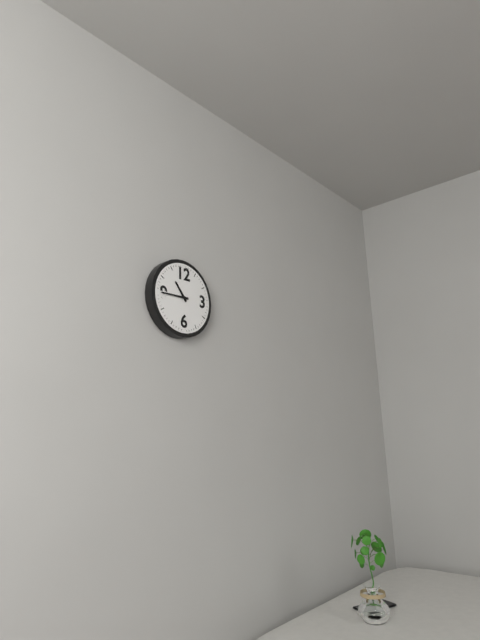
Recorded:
{"hour": 10, "minute": 45}
